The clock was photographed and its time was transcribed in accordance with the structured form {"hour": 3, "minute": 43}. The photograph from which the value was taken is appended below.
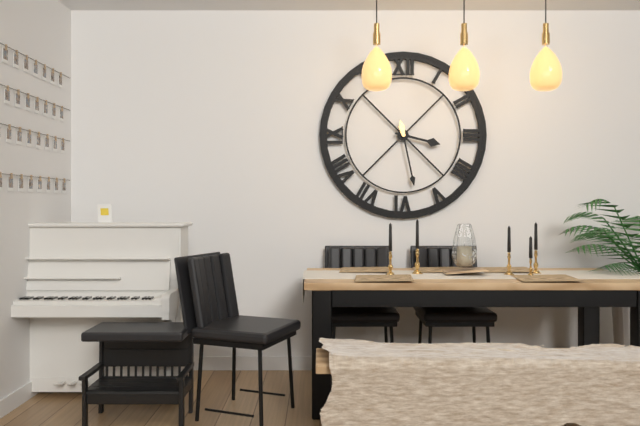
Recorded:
{"hour": 3, "minute": 28}
